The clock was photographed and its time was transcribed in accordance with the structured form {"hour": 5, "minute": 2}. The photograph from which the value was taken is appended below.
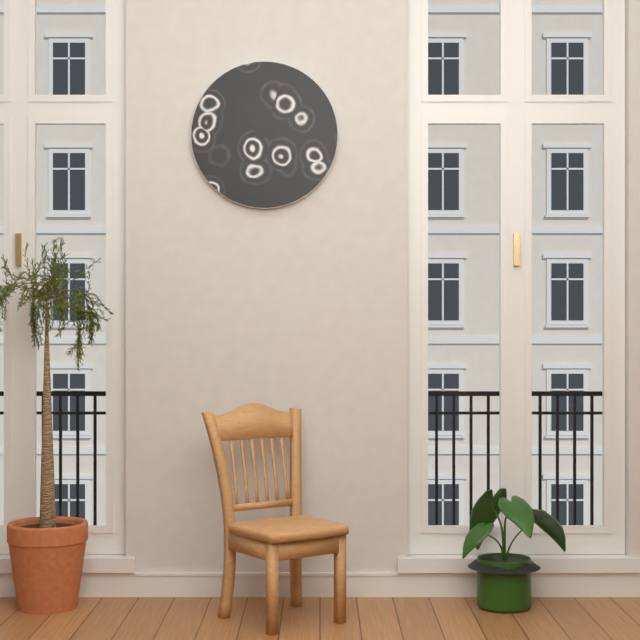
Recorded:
{"hour": 10, "minute": 3}
